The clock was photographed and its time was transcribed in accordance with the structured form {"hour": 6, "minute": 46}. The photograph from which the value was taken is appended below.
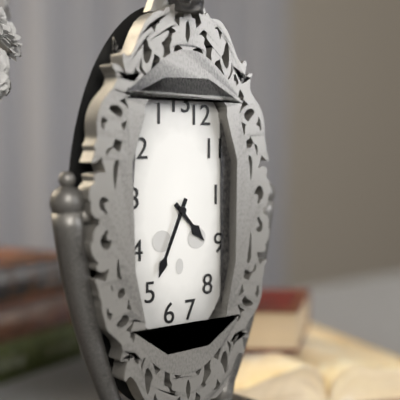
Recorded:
{"hour": 4, "minute": 34}
